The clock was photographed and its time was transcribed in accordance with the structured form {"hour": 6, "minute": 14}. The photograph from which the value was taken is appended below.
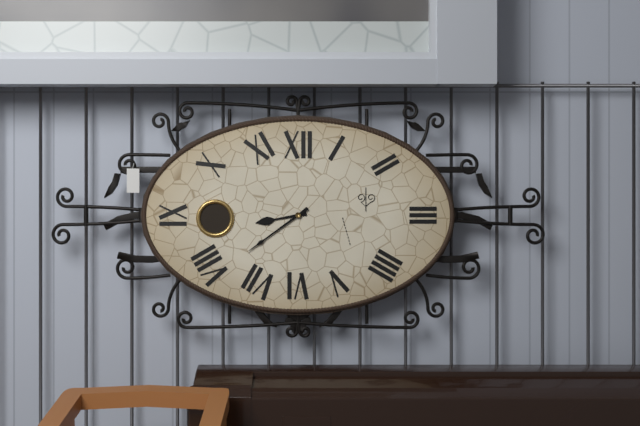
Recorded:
{"hour": 8, "minute": 39}
